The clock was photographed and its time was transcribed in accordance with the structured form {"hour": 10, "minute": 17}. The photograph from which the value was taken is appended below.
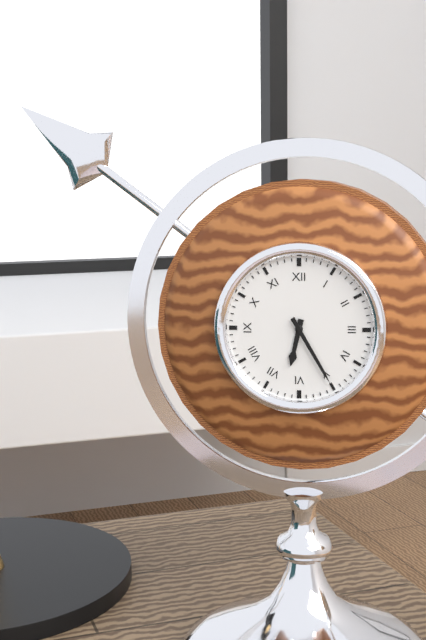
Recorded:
{"hour": 6, "minute": 25}
